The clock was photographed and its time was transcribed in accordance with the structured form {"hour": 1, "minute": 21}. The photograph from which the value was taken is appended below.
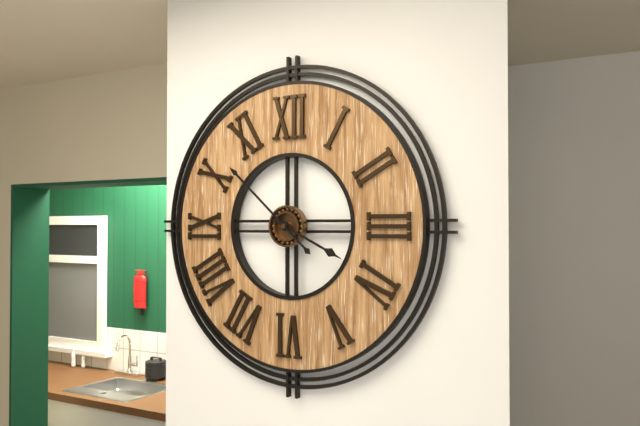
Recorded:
{"hour": 3, "minute": 52}
